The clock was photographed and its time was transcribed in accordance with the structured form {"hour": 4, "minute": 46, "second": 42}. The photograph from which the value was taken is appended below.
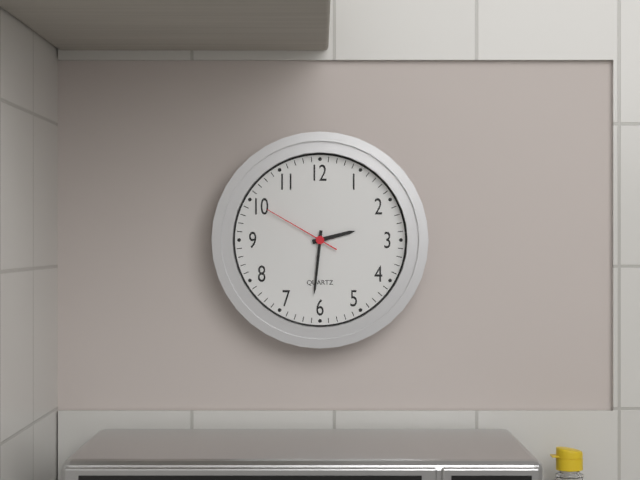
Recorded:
{"hour": 2, "minute": 31, "second": 50}
